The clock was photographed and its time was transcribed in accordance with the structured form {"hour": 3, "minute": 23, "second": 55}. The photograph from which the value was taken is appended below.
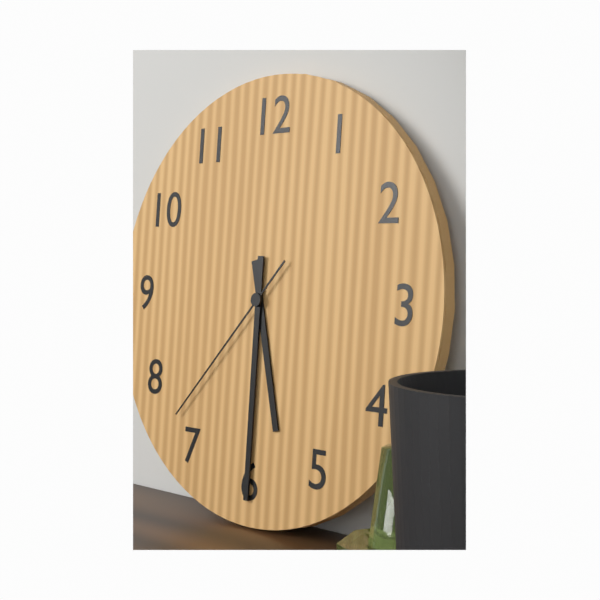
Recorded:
{"hour": 5, "minute": 30, "second": 37}
